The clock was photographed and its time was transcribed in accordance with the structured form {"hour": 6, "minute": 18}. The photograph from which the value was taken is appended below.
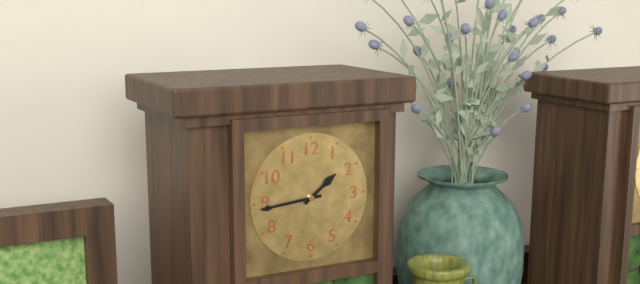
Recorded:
{"hour": 1, "minute": 44}
